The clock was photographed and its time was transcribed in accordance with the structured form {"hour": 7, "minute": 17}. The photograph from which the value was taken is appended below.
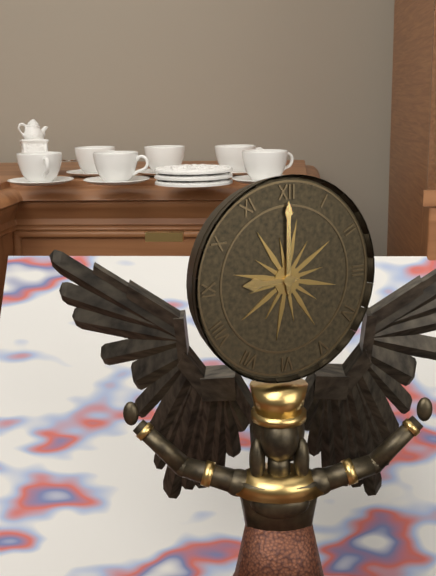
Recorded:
{"hour": 9, "minute": 0}
